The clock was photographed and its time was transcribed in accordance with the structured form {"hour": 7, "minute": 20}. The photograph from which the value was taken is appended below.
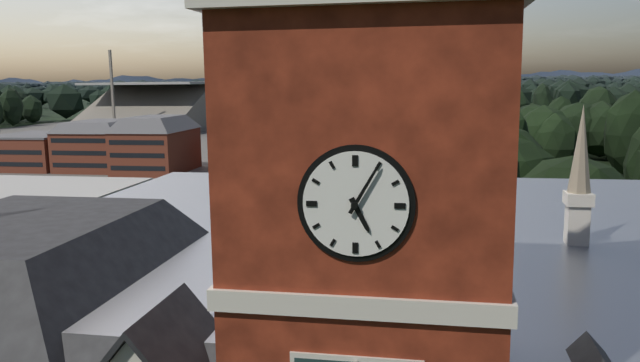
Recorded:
{"hour": 5, "minute": 5}
